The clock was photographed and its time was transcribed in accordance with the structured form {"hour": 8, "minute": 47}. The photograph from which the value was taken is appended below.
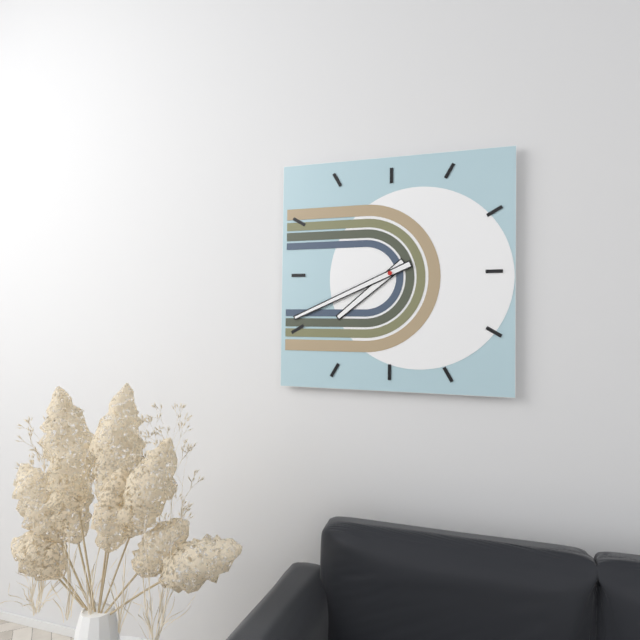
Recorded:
{"hour": 7, "minute": 41}
